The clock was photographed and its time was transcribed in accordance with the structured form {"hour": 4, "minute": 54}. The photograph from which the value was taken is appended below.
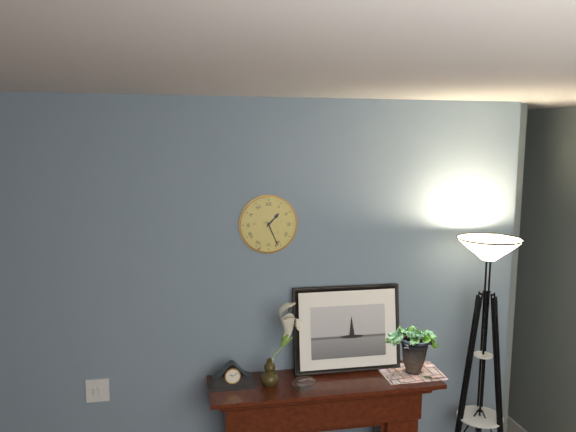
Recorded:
{"hour": 1, "minute": 26}
